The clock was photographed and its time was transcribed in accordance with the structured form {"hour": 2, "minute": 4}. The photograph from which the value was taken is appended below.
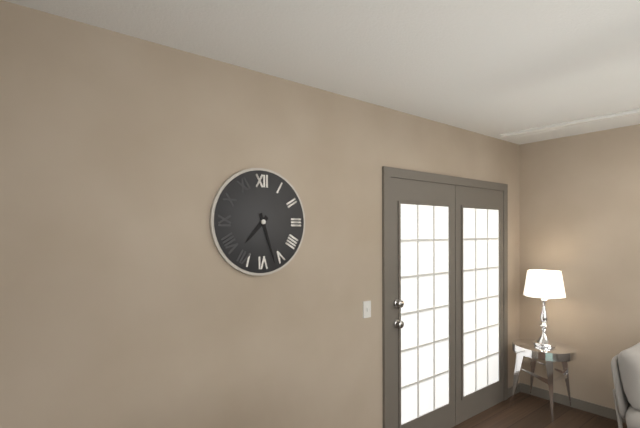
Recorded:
{"hour": 7, "minute": 27}
